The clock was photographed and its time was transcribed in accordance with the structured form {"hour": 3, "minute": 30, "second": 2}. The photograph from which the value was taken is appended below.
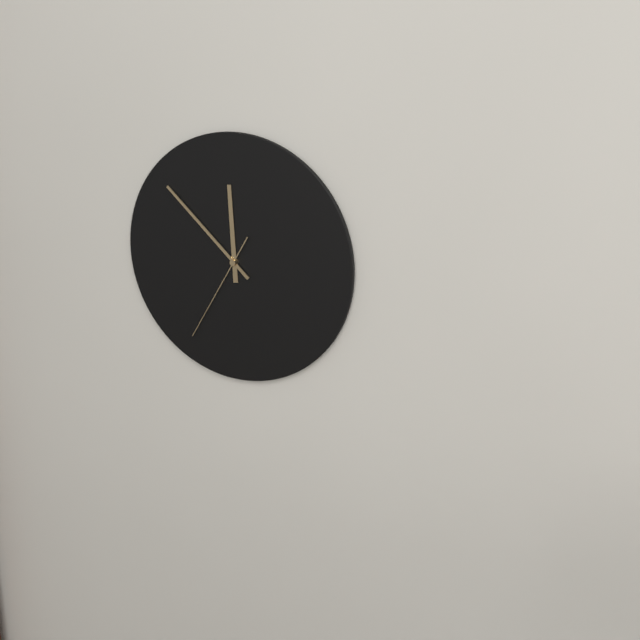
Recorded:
{"hour": 11, "minute": 52, "second": 35}
